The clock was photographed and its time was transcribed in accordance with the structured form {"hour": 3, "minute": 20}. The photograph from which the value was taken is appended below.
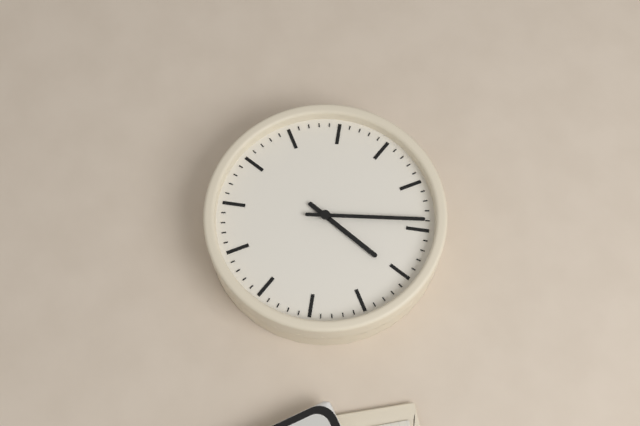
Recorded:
{"hour": 2, "minute": 4}
